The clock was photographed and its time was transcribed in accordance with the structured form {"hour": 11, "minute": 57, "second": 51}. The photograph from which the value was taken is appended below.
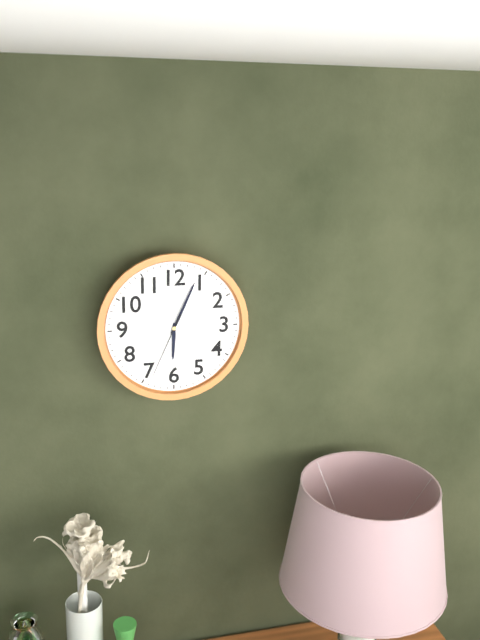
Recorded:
{"hour": 6, "minute": 4, "second": 34}
